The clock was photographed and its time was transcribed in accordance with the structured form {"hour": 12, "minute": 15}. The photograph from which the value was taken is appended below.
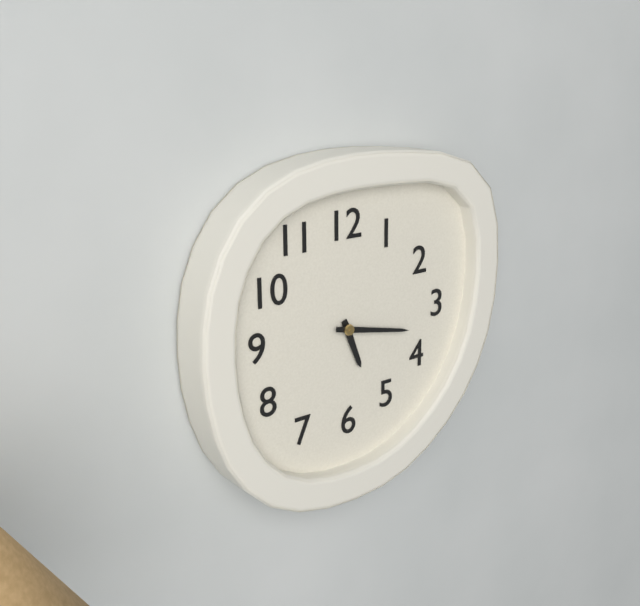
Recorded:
{"hour": 5, "minute": 17}
